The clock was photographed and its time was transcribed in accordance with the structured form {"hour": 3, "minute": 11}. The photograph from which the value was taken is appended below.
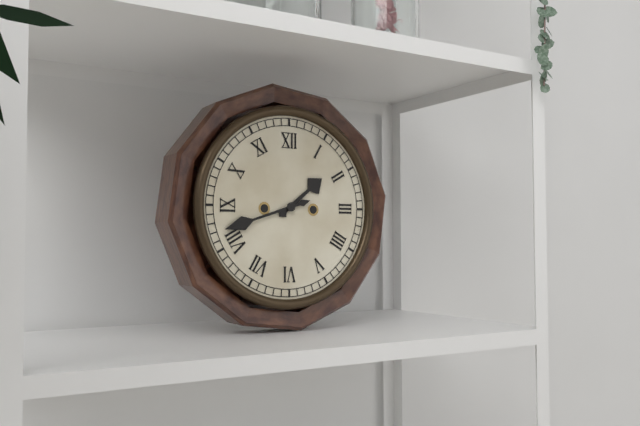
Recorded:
{"hour": 1, "minute": 42}
